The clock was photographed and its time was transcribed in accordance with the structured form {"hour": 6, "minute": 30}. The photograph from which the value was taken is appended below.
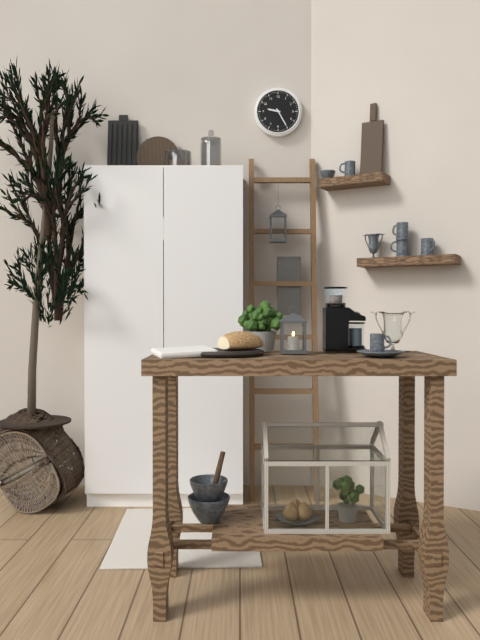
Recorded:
{"hour": 9, "minute": 25}
